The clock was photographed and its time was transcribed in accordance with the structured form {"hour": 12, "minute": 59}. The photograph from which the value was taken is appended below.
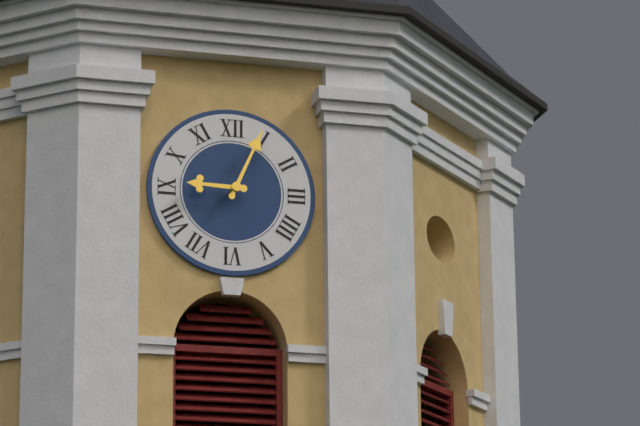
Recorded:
{"hour": 9, "minute": 4}
